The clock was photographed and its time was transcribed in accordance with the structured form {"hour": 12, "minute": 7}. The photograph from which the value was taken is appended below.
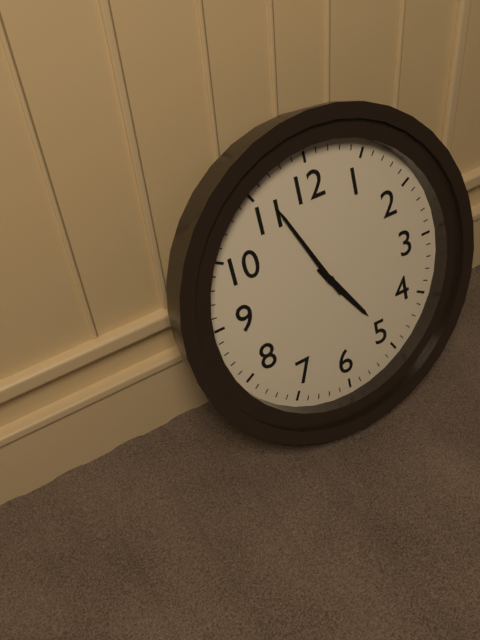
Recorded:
{"hour": 4, "minute": 56}
